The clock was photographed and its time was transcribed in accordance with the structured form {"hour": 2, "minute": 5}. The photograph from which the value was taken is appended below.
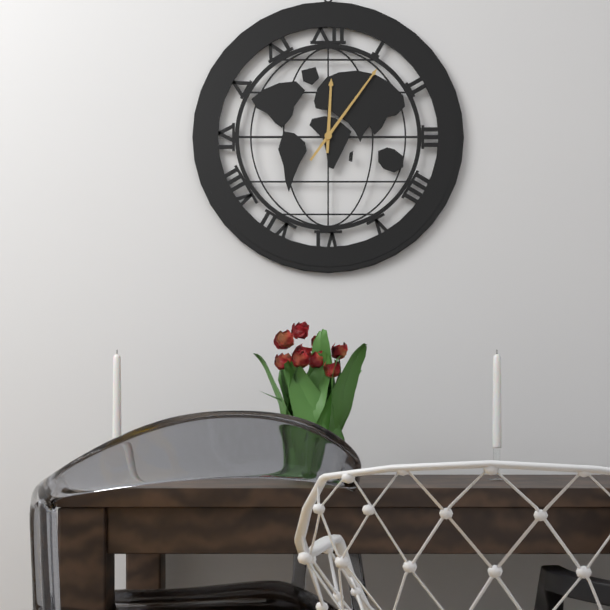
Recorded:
{"hour": 12, "minute": 6}
